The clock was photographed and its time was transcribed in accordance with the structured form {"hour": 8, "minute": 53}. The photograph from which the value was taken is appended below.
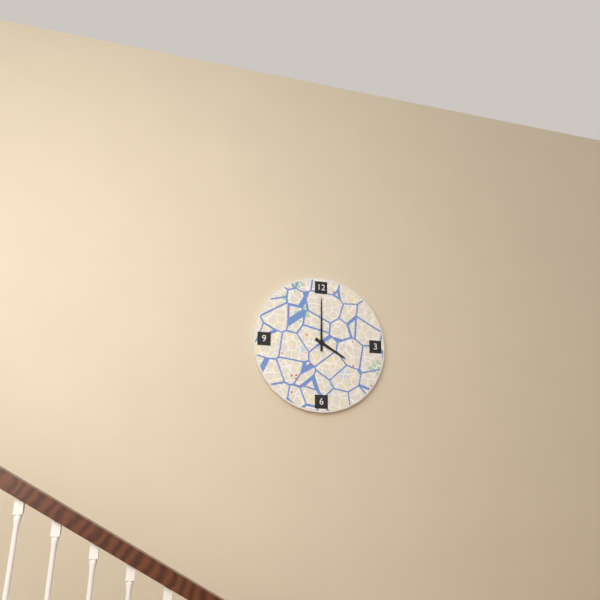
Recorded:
{"hour": 4, "minute": 0}
